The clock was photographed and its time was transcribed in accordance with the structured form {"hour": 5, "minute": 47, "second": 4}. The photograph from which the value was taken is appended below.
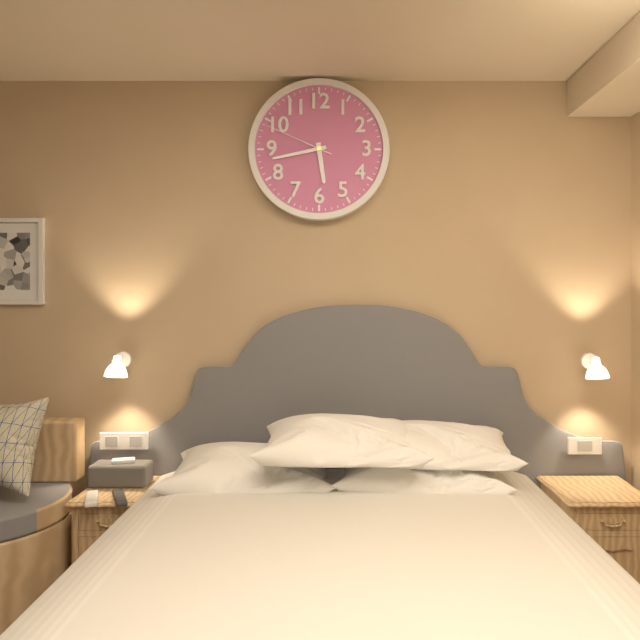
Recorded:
{"hour": 5, "minute": 43, "second": 49}
